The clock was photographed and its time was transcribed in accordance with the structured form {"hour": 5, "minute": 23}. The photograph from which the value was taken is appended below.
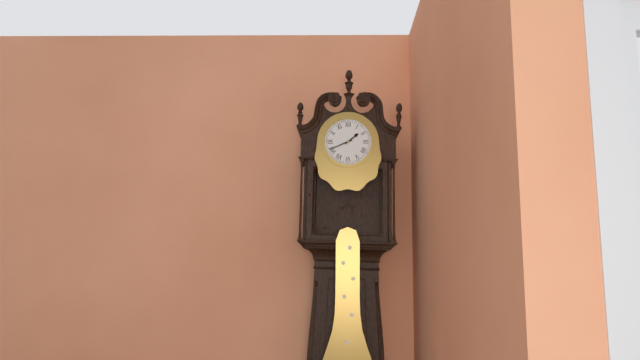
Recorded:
{"hour": 1, "minute": 41}
